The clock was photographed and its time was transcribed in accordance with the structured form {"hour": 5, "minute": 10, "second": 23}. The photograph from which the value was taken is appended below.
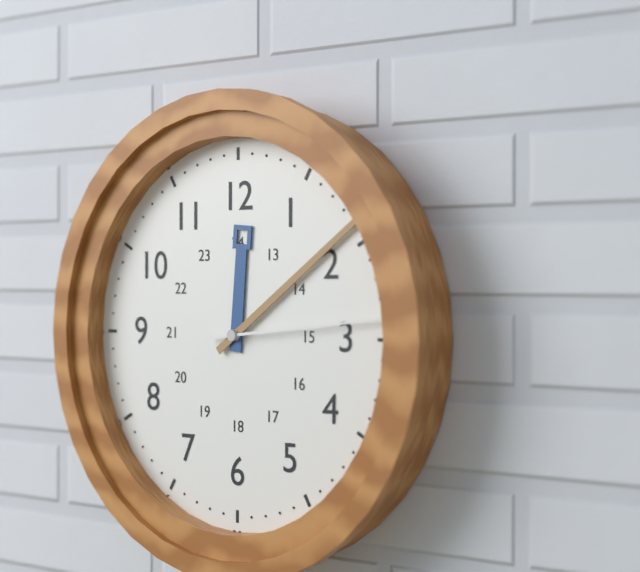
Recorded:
{"hour": 12, "minute": 9, "second": 14}
